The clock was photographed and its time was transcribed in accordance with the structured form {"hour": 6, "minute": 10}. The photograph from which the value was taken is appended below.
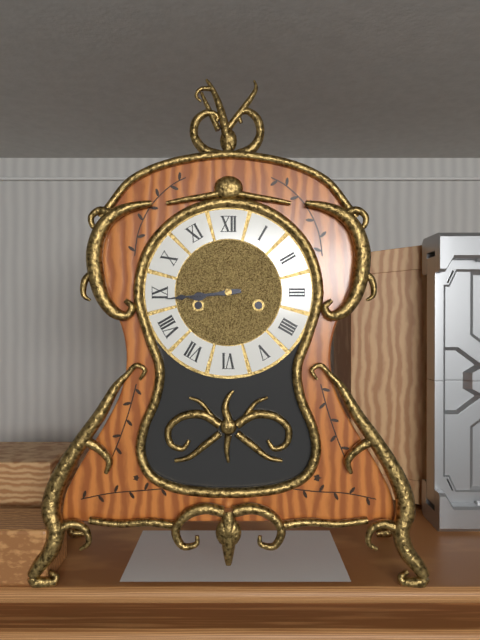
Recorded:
{"hour": 8, "minute": 44}
